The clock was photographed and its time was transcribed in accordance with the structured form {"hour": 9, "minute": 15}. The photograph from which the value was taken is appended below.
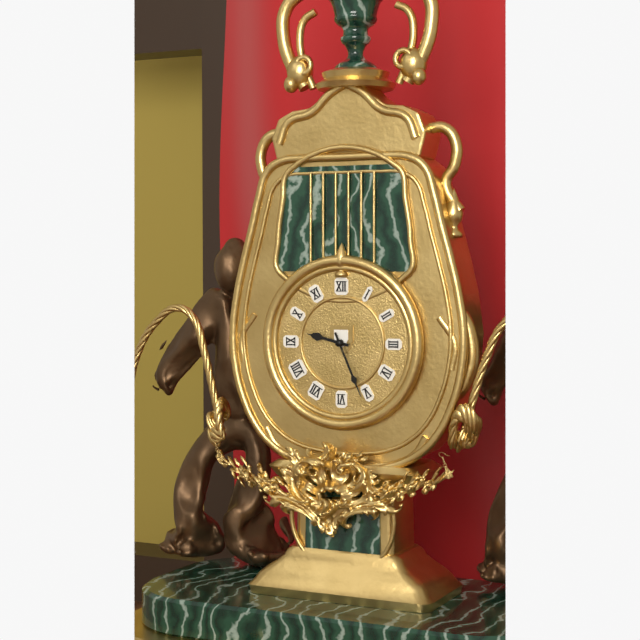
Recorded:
{"hour": 9, "minute": 26}
